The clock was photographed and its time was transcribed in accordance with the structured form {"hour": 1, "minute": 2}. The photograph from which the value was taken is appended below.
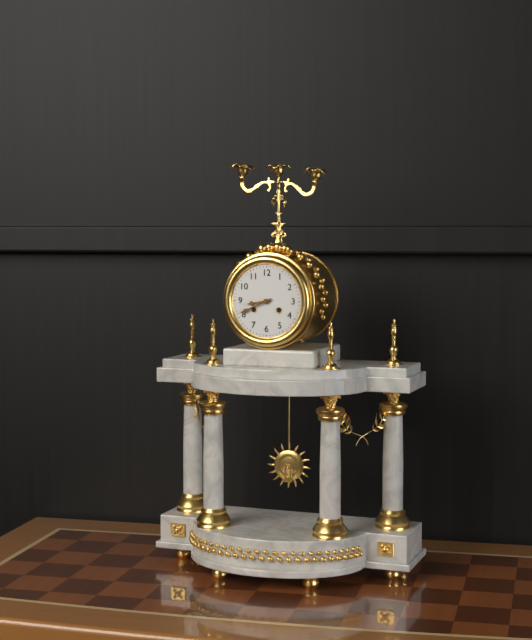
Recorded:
{"hour": 8, "minute": 41}
